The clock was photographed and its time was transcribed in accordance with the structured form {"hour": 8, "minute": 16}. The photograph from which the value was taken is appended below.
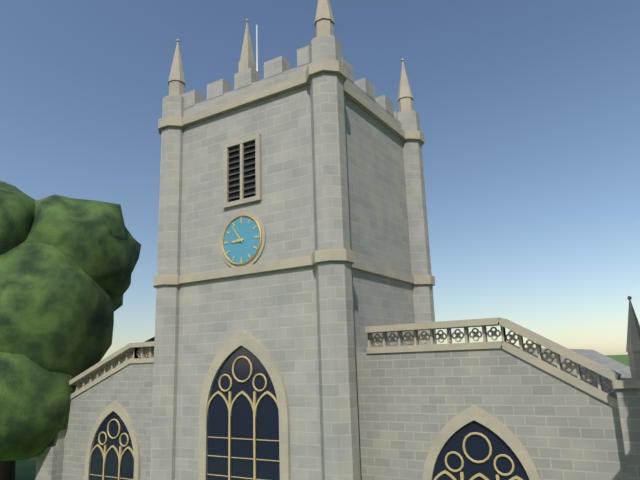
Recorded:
{"hour": 8, "minute": 54}
